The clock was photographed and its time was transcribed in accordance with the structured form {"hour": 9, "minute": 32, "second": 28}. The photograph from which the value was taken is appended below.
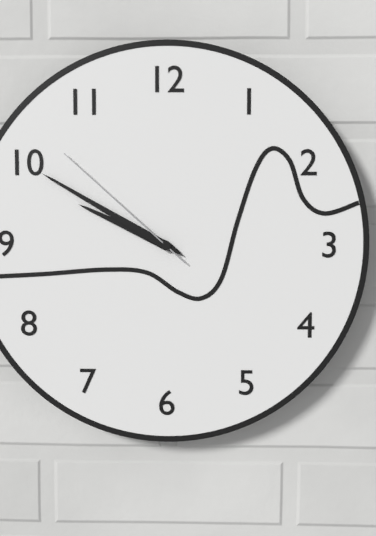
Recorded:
{"hour": 9, "minute": 50, "second": 52}
